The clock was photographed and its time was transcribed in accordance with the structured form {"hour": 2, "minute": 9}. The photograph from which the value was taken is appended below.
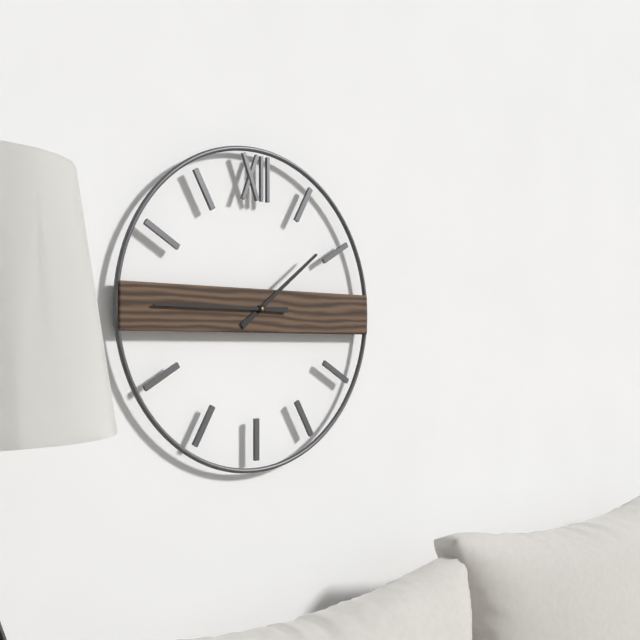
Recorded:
{"hour": 1, "minute": 45}
